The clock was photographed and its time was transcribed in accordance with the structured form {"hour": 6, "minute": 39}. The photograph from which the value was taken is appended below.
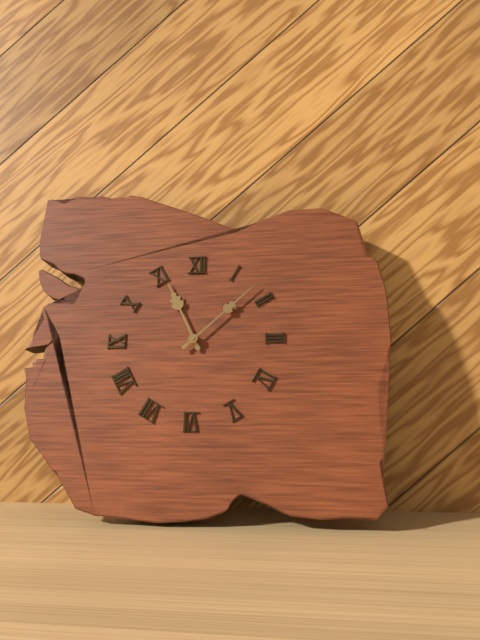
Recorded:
{"hour": 11, "minute": 8}
